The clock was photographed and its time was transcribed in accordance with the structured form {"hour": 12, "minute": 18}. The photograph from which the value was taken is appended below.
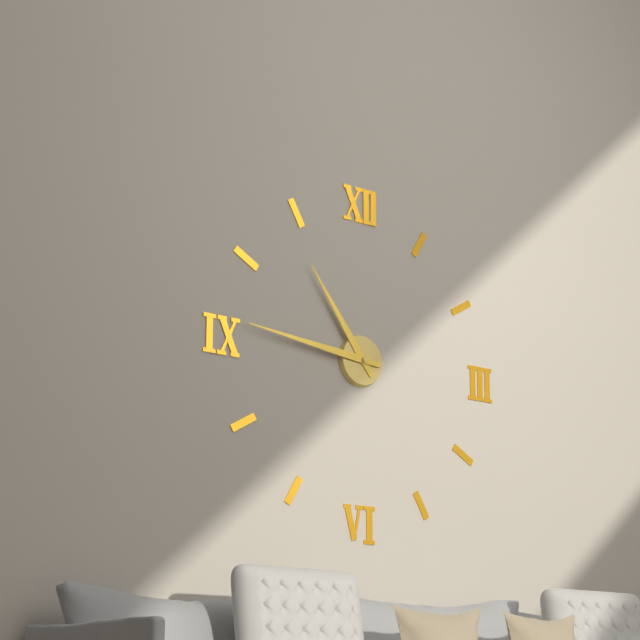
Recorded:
{"hour": 10, "minute": 46}
